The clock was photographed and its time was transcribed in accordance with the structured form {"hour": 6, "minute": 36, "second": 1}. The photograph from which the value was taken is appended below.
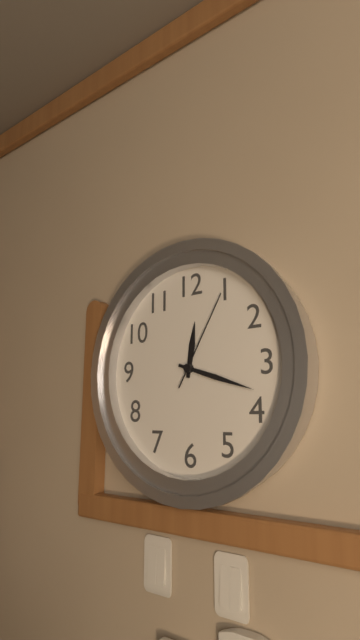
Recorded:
{"hour": 12, "minute": 18, "second": 5}
